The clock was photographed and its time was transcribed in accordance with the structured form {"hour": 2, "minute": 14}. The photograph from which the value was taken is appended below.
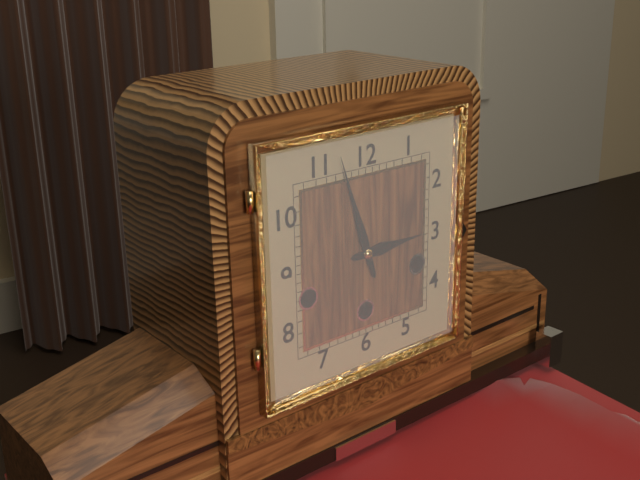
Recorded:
{"hour": 2, "minute": 57}
